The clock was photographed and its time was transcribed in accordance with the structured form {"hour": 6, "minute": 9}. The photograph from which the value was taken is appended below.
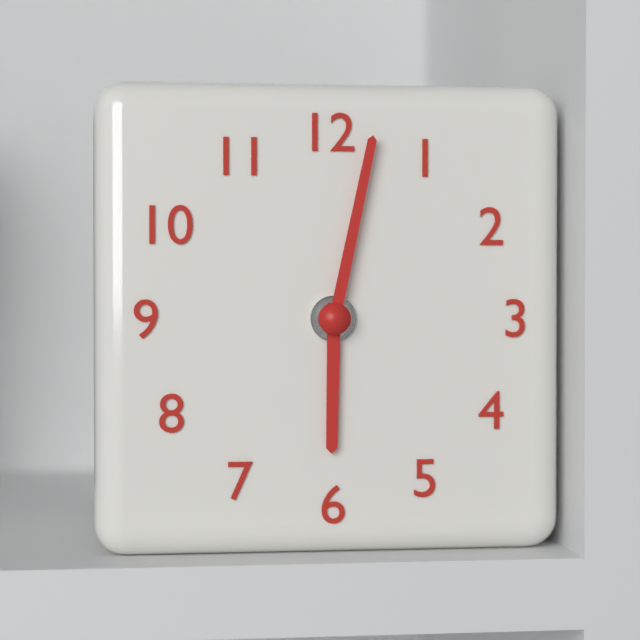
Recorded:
{"hour": 6, "minute": 2}
